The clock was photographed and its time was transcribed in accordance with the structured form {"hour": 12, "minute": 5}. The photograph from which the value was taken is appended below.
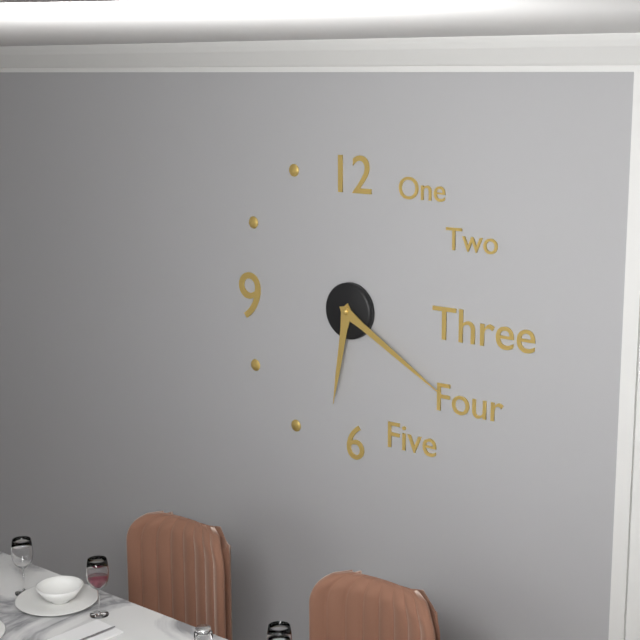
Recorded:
{"hour": 6, "minute": 20}
